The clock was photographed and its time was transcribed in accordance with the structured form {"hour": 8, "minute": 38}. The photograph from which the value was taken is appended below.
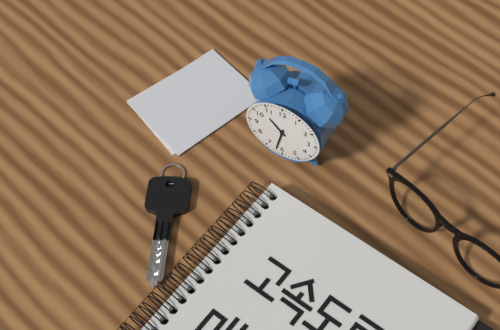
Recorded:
{"hour": 10, "minute": 32}
